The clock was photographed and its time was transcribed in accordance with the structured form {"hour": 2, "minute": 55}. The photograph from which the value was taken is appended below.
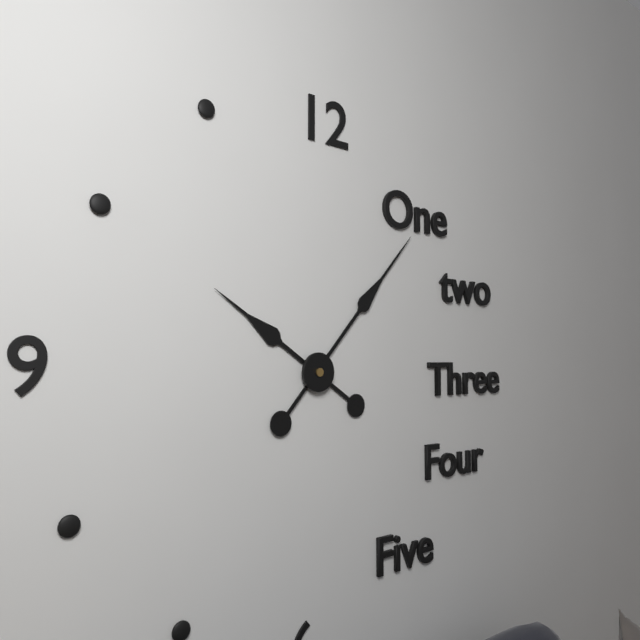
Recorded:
{"hour": 10, "minute": 7}
